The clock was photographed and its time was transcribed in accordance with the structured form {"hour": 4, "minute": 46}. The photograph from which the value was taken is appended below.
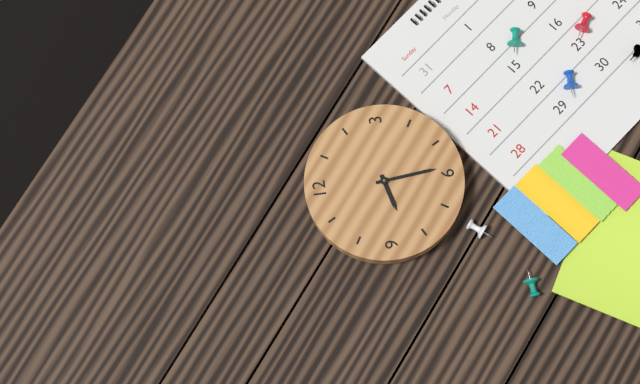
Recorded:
{"hour": 8, "minute": 29}
